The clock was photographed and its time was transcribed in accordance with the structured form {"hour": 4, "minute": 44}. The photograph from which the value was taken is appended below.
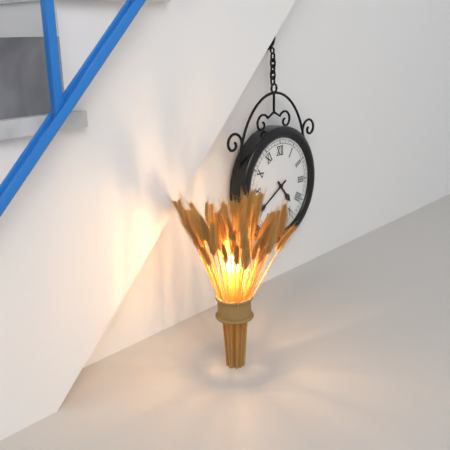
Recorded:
{"hour": 4, "minute": 40}
